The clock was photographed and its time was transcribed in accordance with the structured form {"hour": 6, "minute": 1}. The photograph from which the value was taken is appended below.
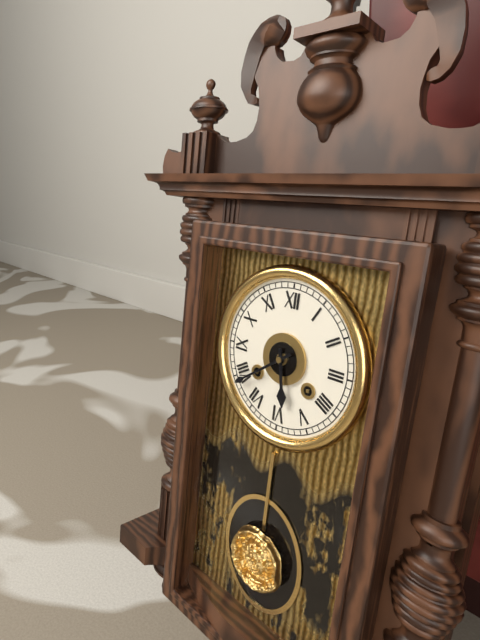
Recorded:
{"hour": 5, "minute": 39}
